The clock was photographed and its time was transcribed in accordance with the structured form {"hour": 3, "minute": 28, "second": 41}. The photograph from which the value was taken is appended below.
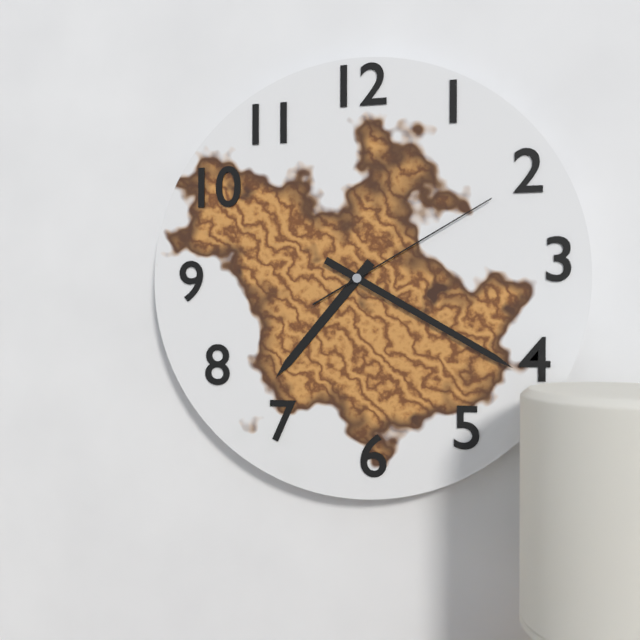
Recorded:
{"hour": 7, "minute": 20, "second": 10}
